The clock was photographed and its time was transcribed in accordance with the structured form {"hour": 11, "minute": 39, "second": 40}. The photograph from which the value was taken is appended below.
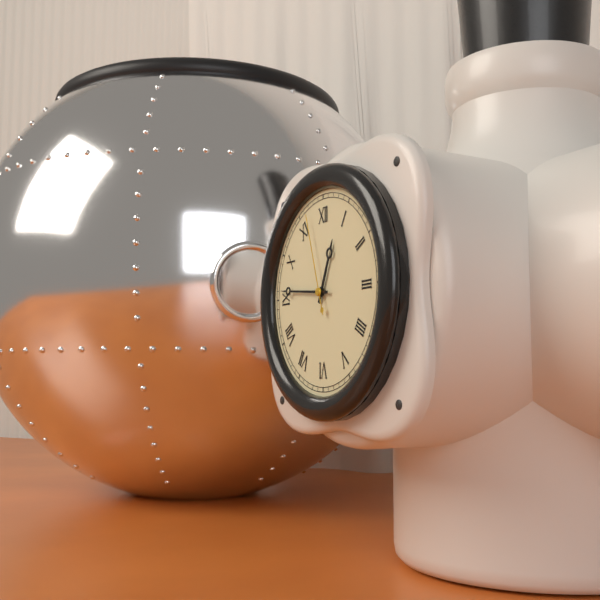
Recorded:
{"hour": 12, "minute": 46, "second": 57}
